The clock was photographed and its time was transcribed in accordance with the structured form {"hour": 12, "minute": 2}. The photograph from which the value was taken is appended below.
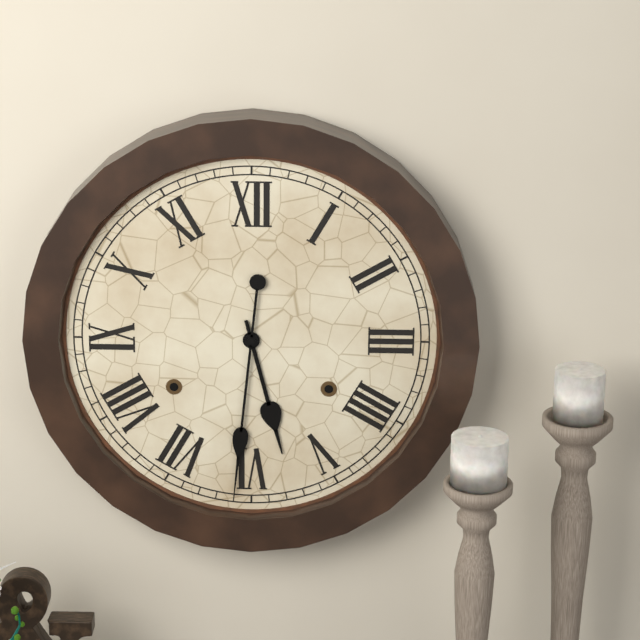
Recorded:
{"hour": 5, "minute": 31}
